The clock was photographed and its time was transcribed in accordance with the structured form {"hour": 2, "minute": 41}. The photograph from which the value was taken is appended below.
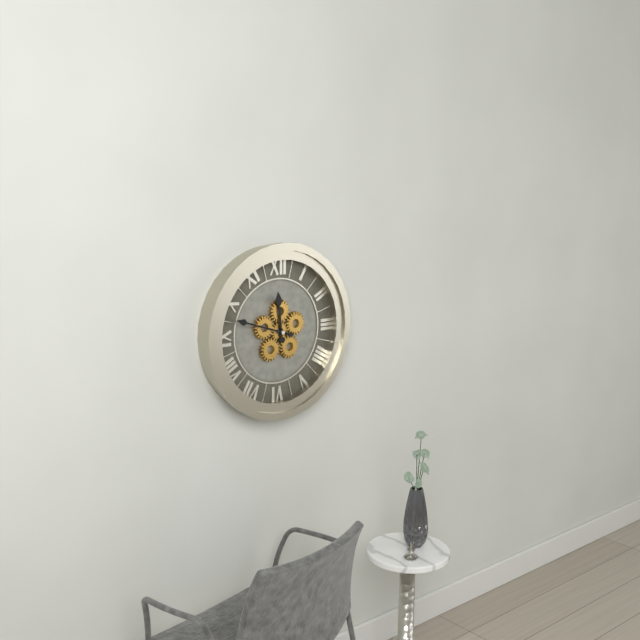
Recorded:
{"hour": 11, "minute": 48}
